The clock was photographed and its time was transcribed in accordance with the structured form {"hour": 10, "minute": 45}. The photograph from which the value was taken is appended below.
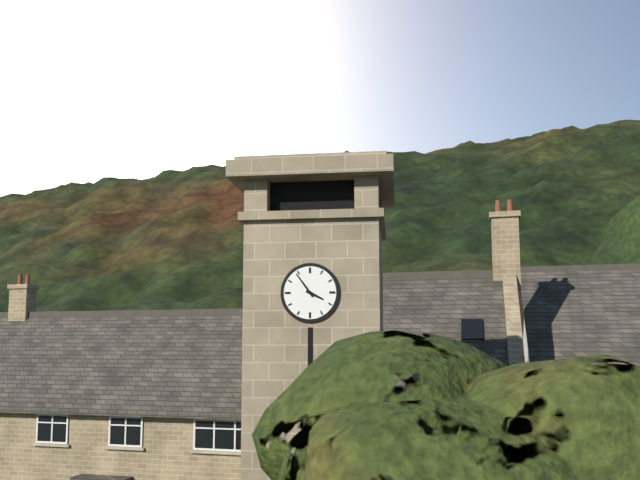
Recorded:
{"hour": 3, "minute": 54}
